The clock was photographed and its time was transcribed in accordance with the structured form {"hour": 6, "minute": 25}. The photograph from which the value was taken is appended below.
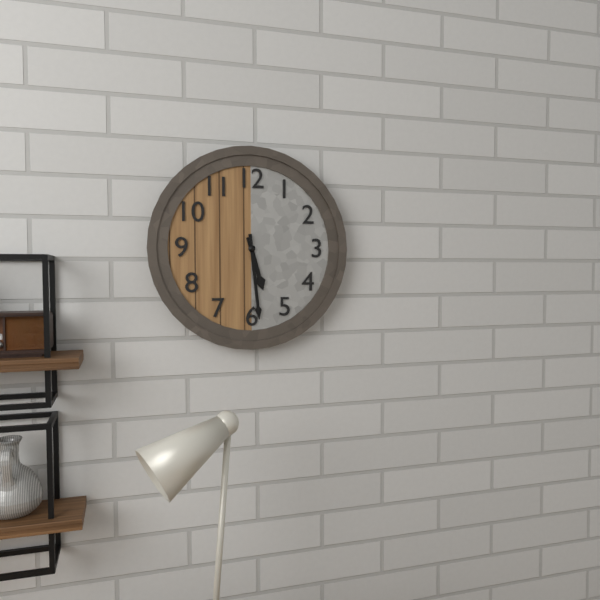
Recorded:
{"hour": 5, "minute": 29}
